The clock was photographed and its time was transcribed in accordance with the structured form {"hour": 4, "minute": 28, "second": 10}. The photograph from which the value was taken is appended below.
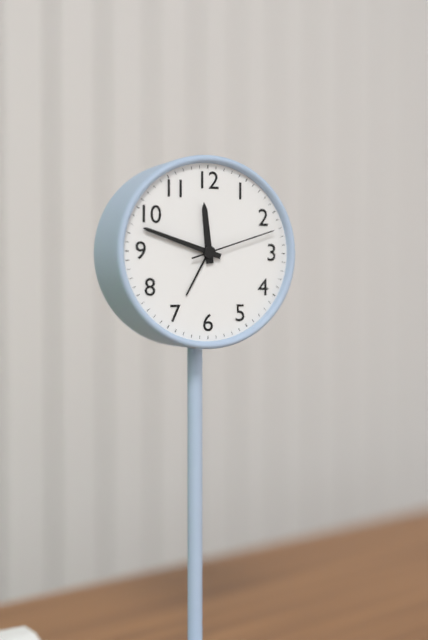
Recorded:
{"hour": 11, "minute": 48, "second": 12}
